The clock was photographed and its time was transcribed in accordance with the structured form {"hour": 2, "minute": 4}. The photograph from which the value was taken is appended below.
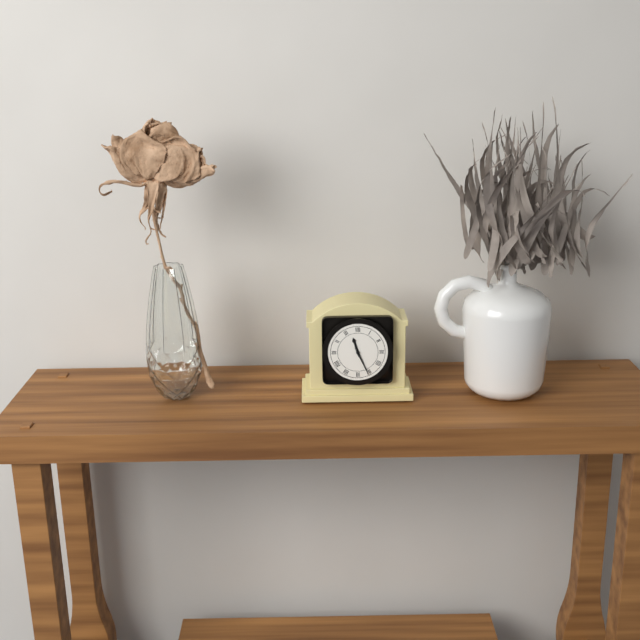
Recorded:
{"hour": 11, "minute": 26}
